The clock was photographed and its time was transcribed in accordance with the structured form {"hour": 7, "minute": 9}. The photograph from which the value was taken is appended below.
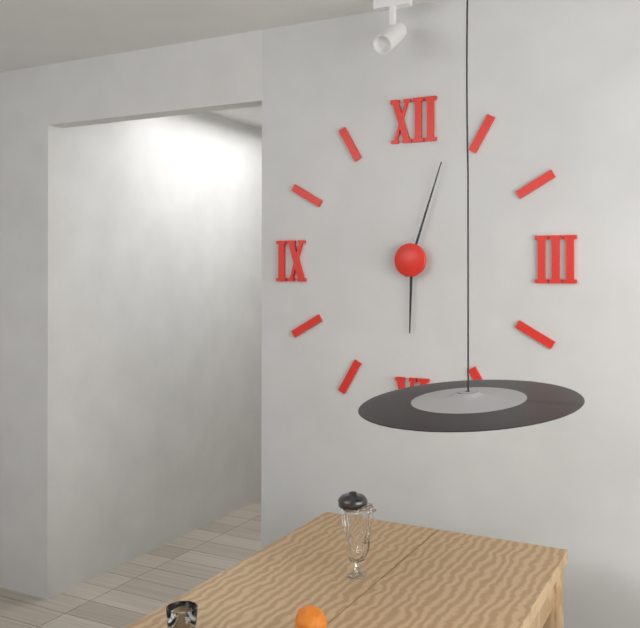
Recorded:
{"hour": 6, "minute": 3}
